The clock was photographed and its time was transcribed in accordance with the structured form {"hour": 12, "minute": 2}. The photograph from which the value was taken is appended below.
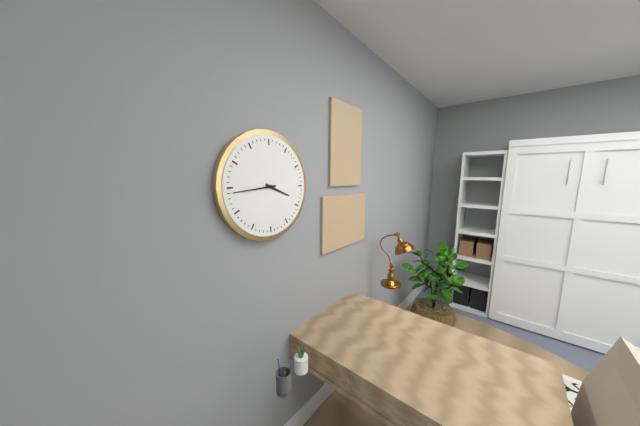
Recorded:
{"hour": 3, "minute": 44}
